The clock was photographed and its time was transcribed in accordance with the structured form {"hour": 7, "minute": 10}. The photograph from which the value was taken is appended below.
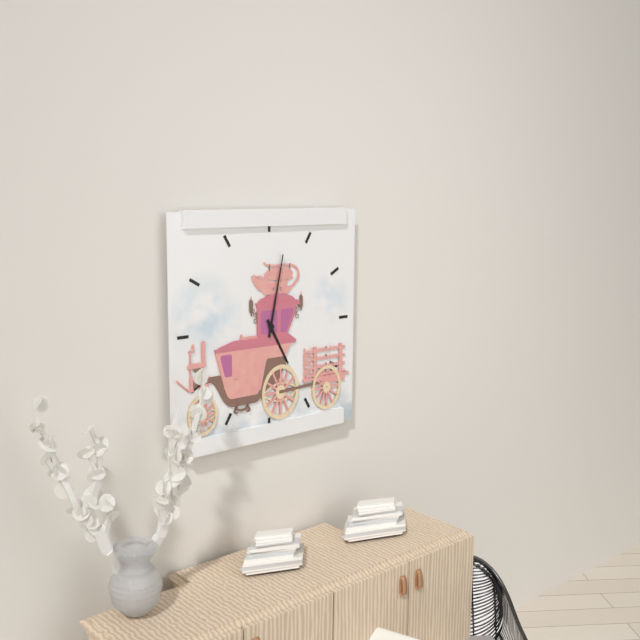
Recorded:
{"hour": 5, "minute": 2}
